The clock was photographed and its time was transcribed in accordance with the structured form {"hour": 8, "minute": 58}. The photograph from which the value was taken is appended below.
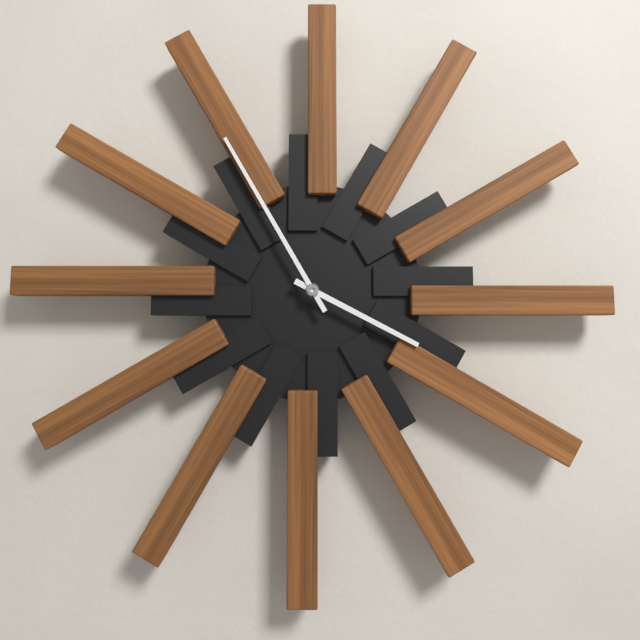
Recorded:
{"hour": 3, "minute": 55}
